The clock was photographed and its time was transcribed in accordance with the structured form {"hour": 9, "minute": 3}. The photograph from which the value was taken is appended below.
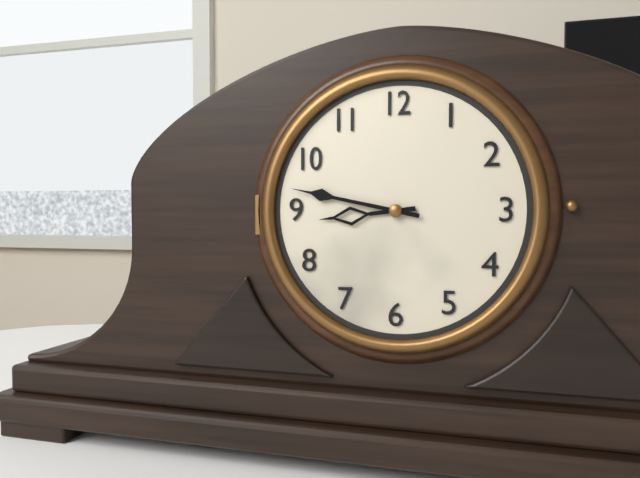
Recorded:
{"hour": 8, "minute": 47}
